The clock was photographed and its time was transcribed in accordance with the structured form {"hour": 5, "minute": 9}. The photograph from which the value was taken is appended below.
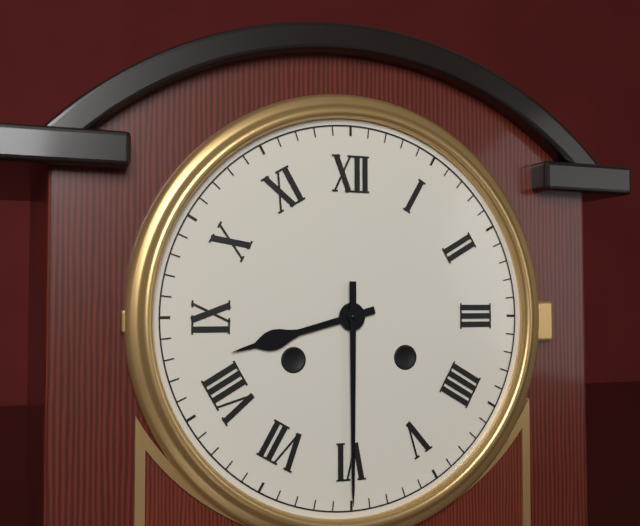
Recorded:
{"hour": 8, "minute": 30}
